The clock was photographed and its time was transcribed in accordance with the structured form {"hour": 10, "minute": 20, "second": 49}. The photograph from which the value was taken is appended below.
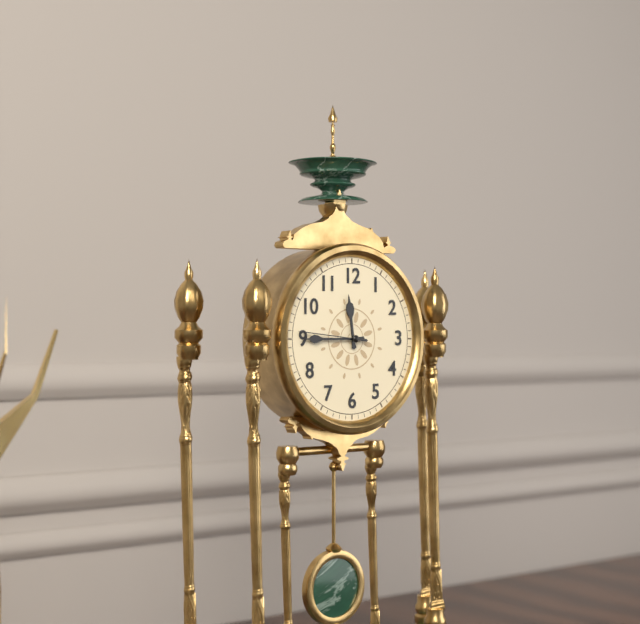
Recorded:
{"hour": 11, "minute": 45, "second": 46}
